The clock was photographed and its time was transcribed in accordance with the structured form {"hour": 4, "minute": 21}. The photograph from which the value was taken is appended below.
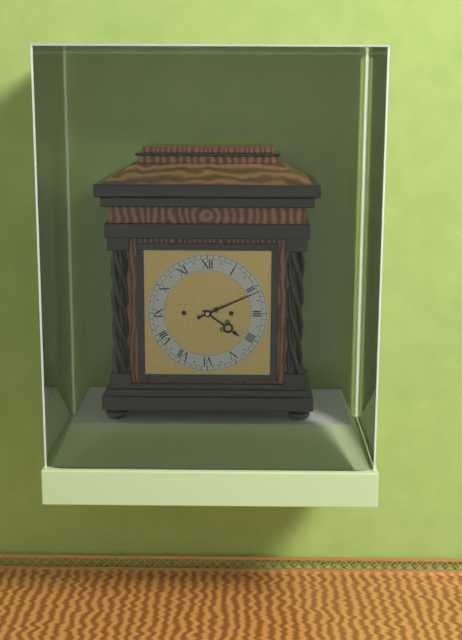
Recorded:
{"hour": 4, "minute": 11}
